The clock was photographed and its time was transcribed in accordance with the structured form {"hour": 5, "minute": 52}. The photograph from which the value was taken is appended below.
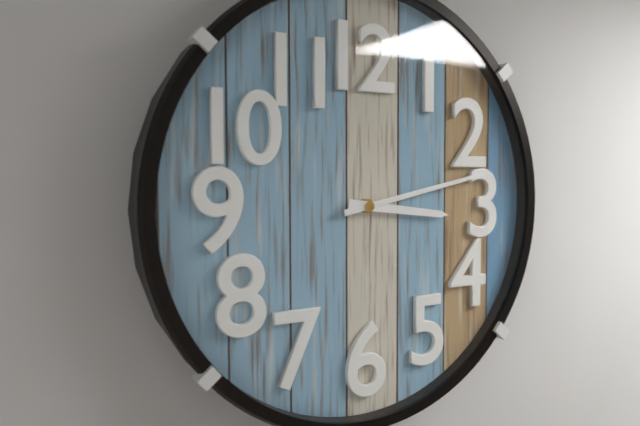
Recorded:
{"hour": 3, "minute": 13}
